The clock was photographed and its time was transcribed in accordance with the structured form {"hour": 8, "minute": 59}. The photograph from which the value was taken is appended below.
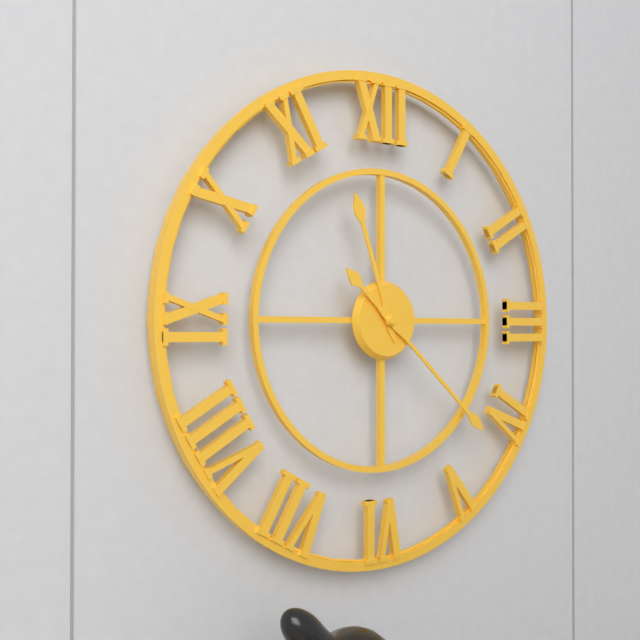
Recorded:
{"hour": 11, "minute": 22}
